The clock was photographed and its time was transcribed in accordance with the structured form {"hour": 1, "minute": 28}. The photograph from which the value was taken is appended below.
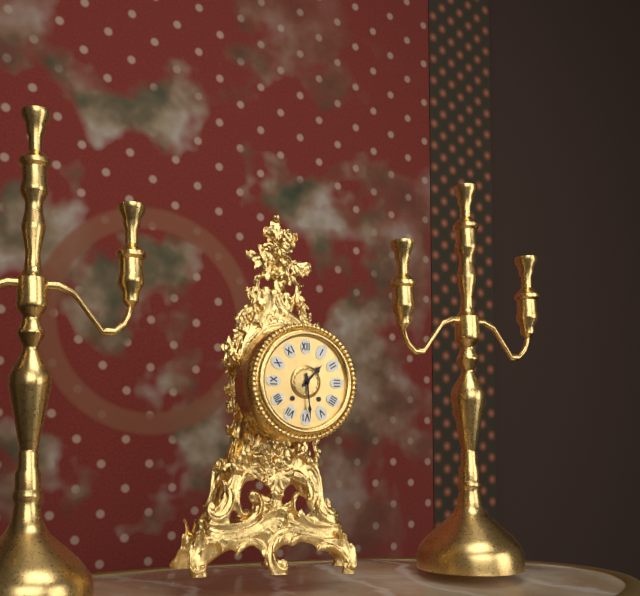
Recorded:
{"hour": 1, "minute": 29}
